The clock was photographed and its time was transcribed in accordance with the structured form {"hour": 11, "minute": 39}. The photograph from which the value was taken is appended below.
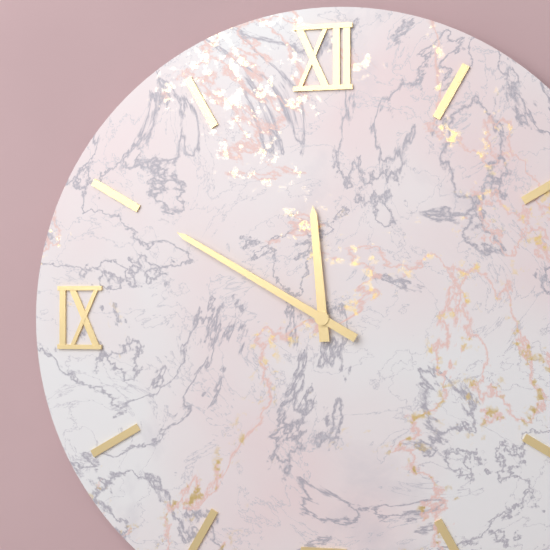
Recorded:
{"hour": 11, "minute": 50}
